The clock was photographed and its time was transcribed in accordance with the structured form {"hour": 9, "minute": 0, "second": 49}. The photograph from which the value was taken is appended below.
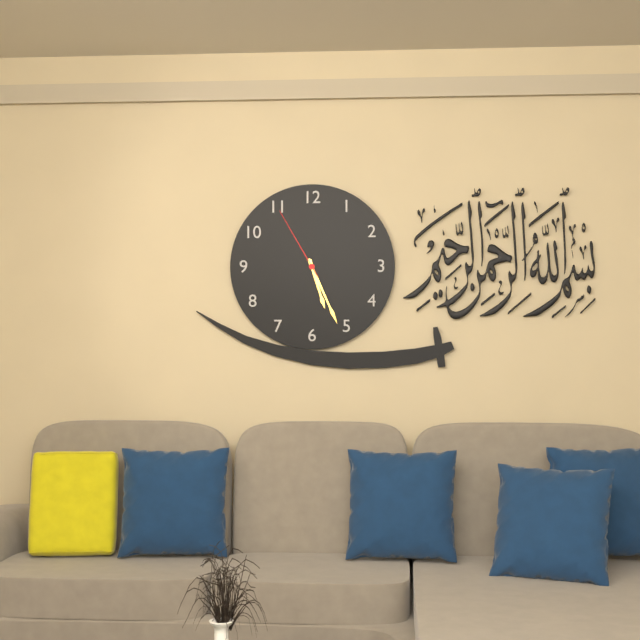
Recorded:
{"hour": 5, "minute": 26, "second": 55}
